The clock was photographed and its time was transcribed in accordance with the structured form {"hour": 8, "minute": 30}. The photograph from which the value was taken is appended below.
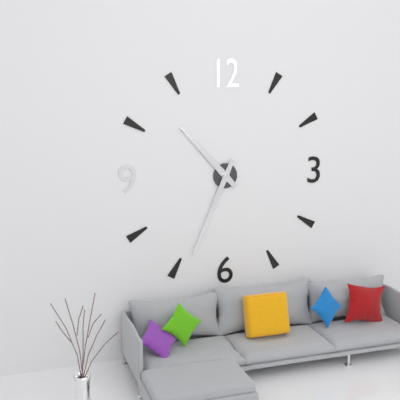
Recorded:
{"hour": 10, "minute": 34}
